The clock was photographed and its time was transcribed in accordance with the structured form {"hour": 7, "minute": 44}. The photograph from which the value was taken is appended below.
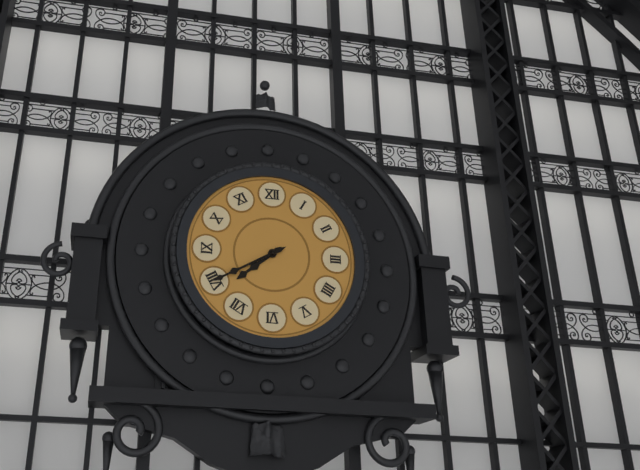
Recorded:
{"hour": 7, "minute": 40}
